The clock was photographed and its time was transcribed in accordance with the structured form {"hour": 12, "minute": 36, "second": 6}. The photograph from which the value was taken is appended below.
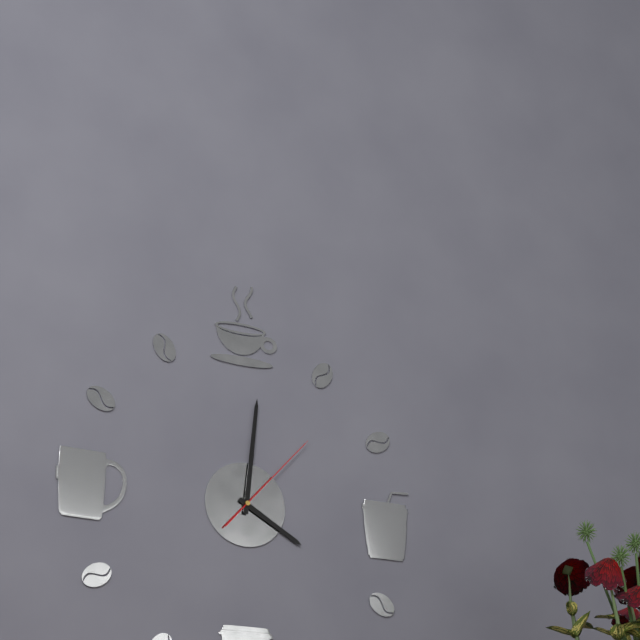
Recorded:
{"hour": 4, "minute": 1, "second": 7}
